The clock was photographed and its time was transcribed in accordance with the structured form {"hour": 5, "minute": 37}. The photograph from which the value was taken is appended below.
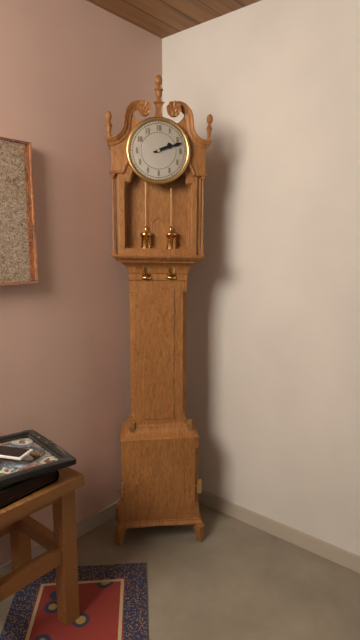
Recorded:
{"hour": 2, "minute": 12}
